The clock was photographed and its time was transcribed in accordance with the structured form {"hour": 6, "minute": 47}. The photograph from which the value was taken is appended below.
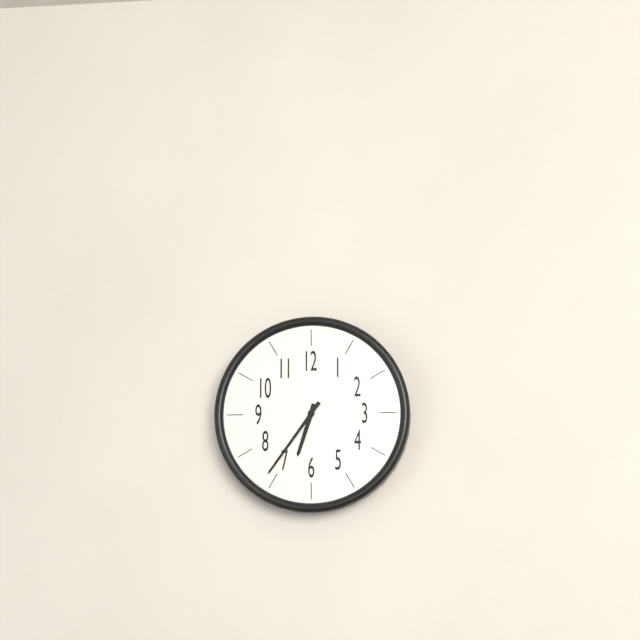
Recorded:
{"hour": 6, "minute": 36}
